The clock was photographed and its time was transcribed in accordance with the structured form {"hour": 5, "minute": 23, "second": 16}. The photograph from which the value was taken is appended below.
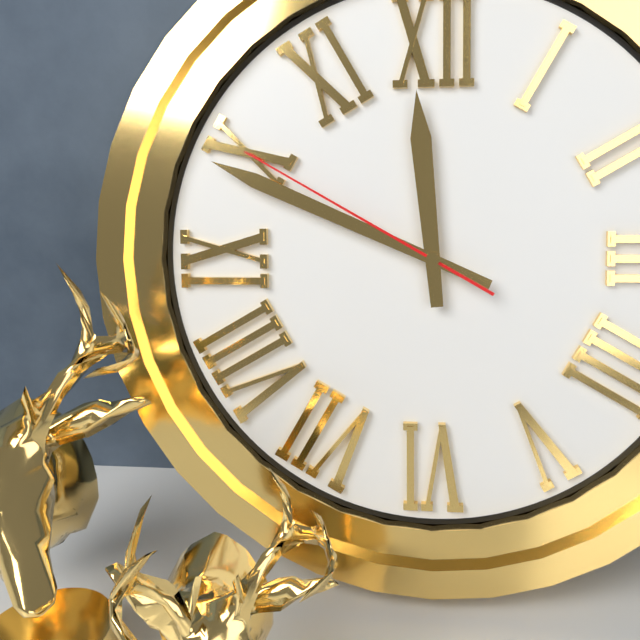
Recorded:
{"hour": 11, "minute": 49, "second": 50}
